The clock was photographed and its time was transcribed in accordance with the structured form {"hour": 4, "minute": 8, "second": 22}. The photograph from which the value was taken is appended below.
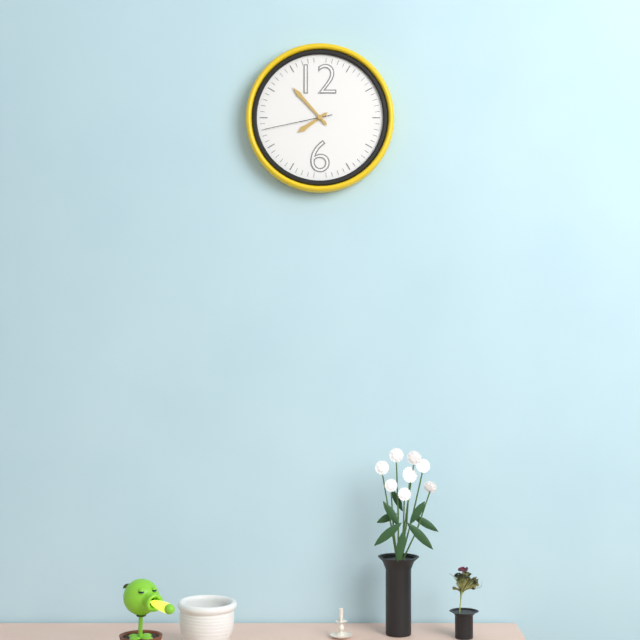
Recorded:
{"hour": 7, "minute": 53, "second": 43}
